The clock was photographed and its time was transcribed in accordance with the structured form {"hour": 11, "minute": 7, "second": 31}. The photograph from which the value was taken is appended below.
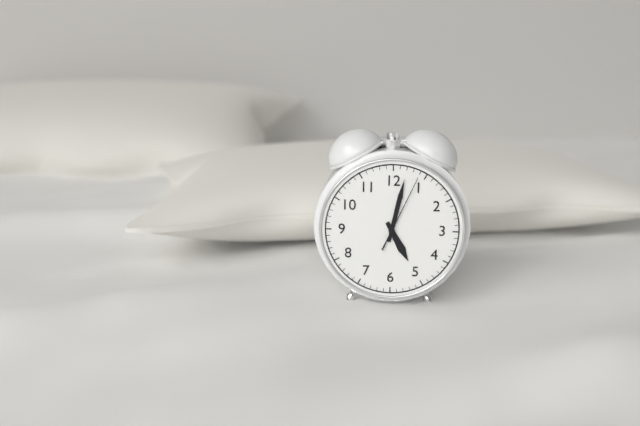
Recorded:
{"hour": 5, "minute": 2, "second": 4}
